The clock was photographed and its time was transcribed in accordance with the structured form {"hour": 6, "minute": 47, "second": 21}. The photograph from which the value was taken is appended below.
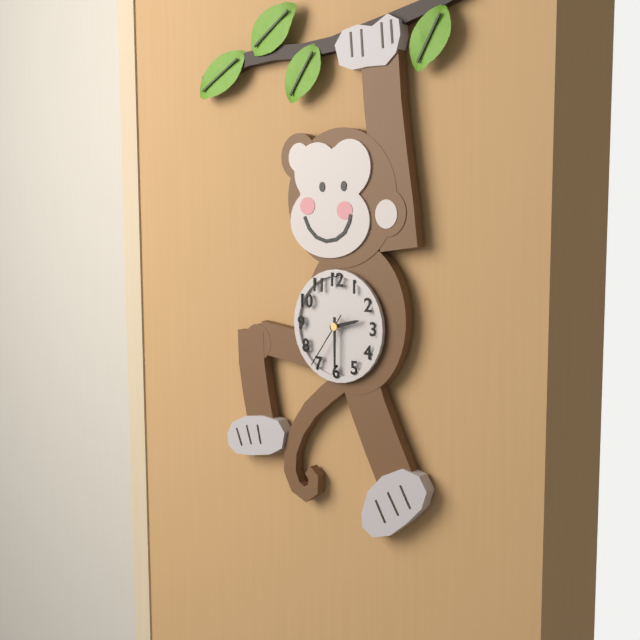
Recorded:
{"hour": 2, "minute": 30, "second": 36}
